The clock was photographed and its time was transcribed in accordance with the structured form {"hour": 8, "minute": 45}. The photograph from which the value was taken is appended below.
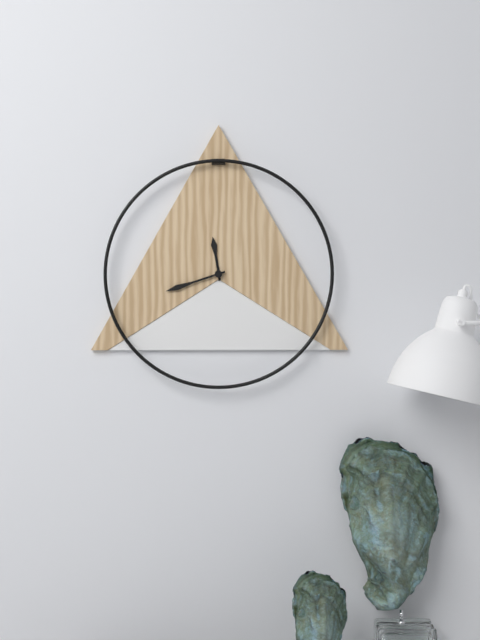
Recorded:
{"hour": 11, "minute": 42}
